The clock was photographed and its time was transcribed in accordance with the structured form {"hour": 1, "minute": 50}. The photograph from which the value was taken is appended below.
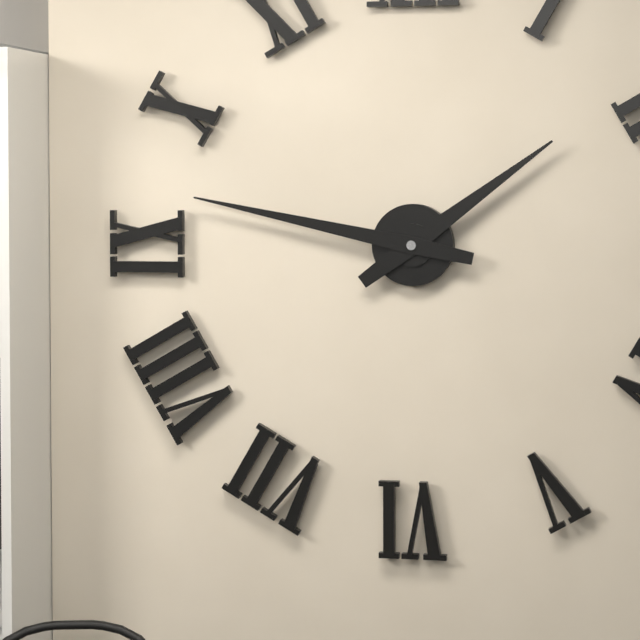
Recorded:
{"hour": 1, "minute": 47}
